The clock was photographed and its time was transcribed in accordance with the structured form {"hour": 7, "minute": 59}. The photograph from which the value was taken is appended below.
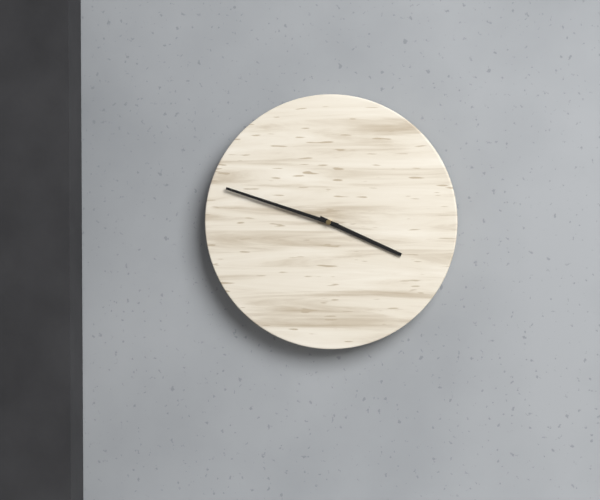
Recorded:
{"hour": 3, "minute": 48}
